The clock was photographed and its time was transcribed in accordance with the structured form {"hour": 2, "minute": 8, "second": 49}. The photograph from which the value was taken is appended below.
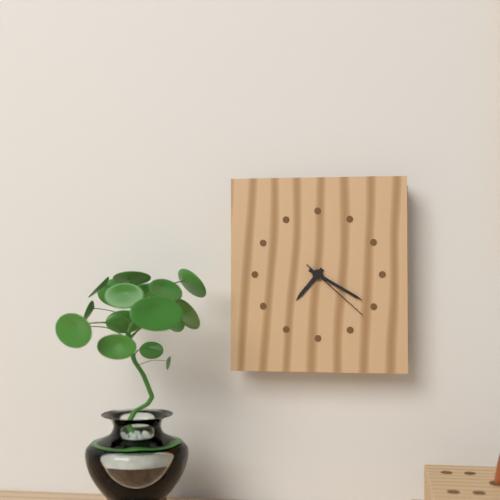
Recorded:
{"hour": 7, "minute": 20, "second": 22}
